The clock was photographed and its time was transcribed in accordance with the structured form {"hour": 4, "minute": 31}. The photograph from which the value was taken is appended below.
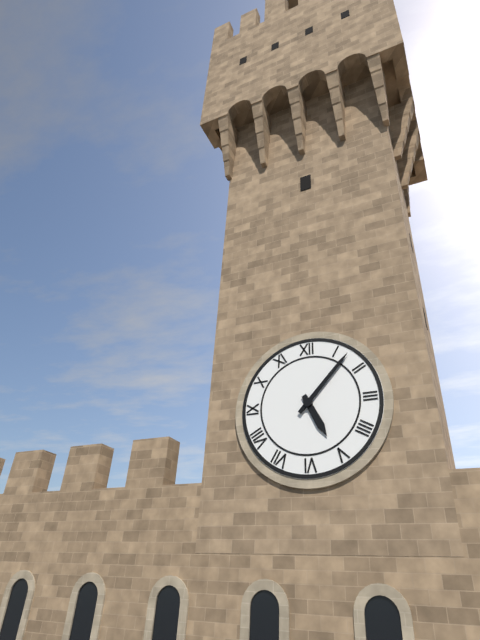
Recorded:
{"hour": 5, "minute": 7}
